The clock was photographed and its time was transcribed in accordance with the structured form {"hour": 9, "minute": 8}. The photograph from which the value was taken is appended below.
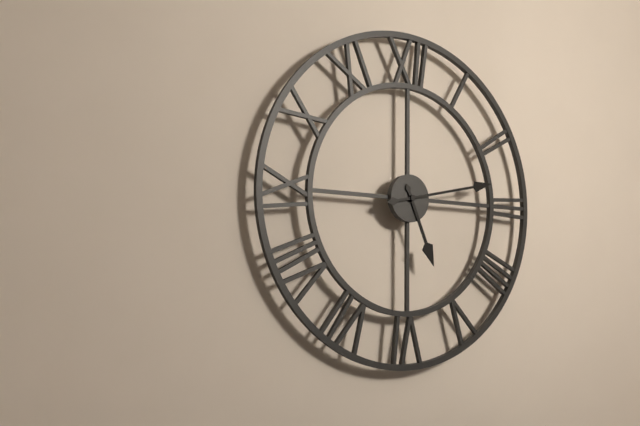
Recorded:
{"hour": 5, "minute": 13}
